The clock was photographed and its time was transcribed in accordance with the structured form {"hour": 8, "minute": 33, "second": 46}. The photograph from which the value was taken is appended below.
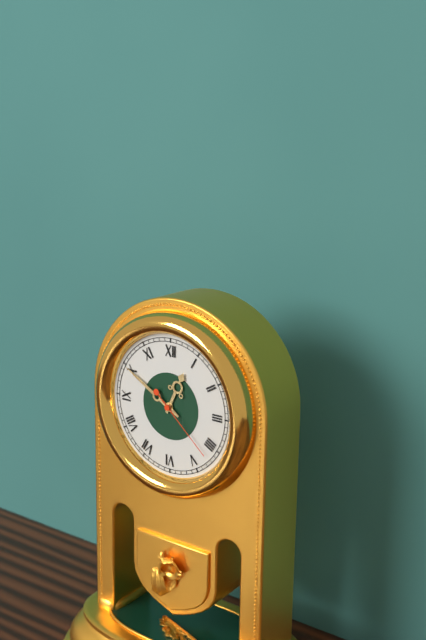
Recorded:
{"hour": 12, "minute": 50, "second": 22}
